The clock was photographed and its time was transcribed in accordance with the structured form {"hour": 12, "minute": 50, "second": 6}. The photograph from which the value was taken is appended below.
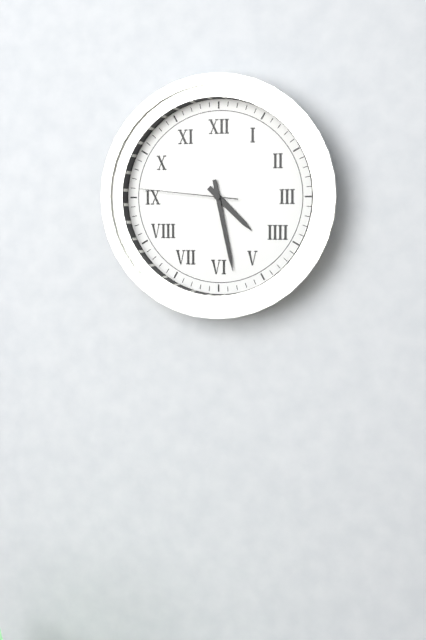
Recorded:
{"hour": 4, "minute": 28, "second": 46}
